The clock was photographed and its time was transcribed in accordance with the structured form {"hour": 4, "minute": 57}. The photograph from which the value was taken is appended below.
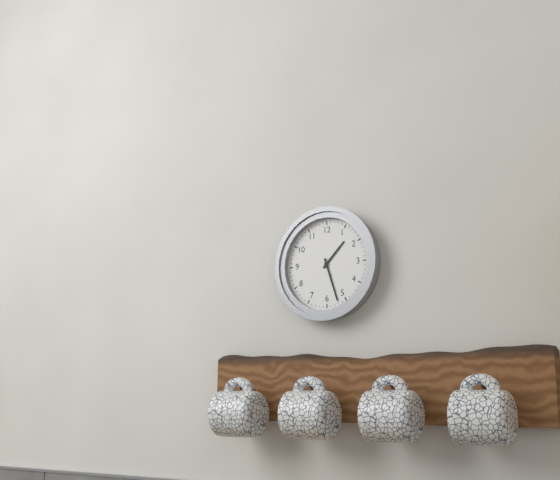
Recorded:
{"hour": 1, "minute": 27}
